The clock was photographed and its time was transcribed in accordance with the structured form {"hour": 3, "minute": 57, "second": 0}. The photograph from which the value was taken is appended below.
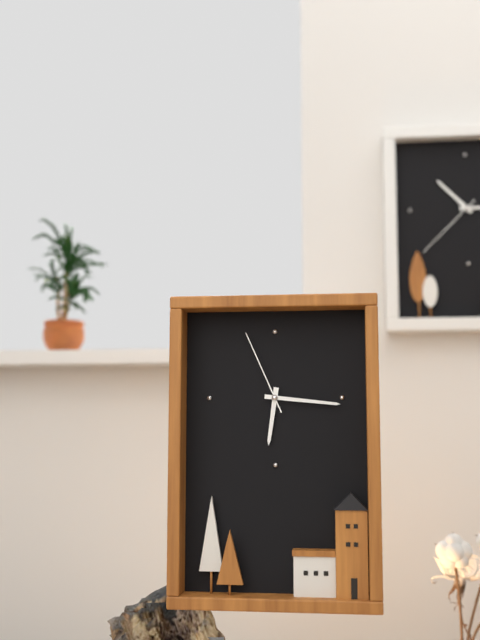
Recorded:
{"hour": 6, "minute": 16, "second": 56}
